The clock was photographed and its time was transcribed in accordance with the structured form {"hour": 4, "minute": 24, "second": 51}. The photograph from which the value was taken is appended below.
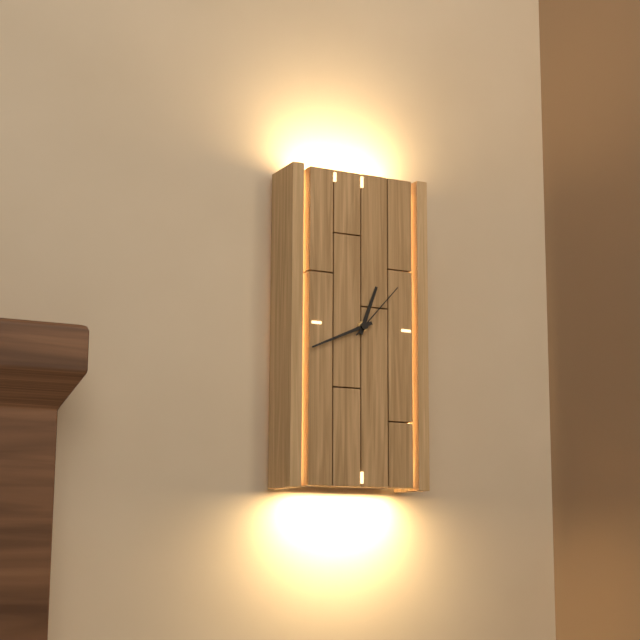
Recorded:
{"hour": 12, "minute": 41, "second": 7}
